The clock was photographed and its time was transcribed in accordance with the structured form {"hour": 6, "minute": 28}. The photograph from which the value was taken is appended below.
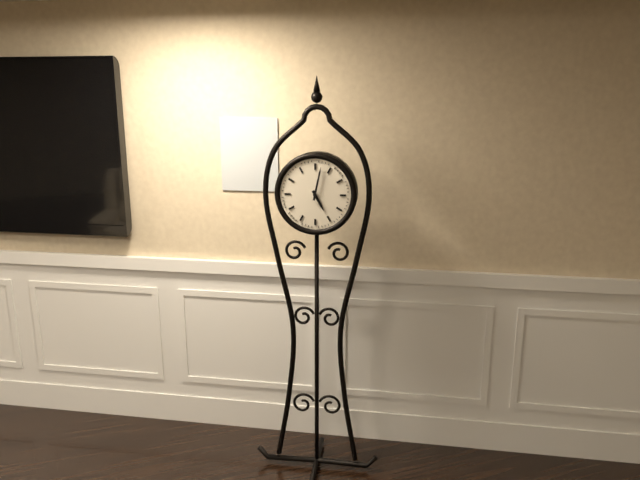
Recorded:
{"hour": 5, "minute": 2}
